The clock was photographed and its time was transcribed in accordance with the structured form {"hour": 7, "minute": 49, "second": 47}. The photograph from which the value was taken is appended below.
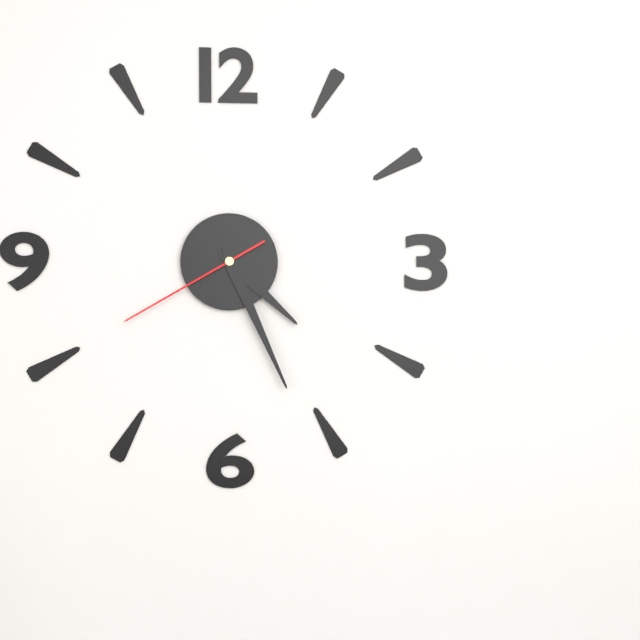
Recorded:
{"hour": 4, "minute": 26, "second": 40}
